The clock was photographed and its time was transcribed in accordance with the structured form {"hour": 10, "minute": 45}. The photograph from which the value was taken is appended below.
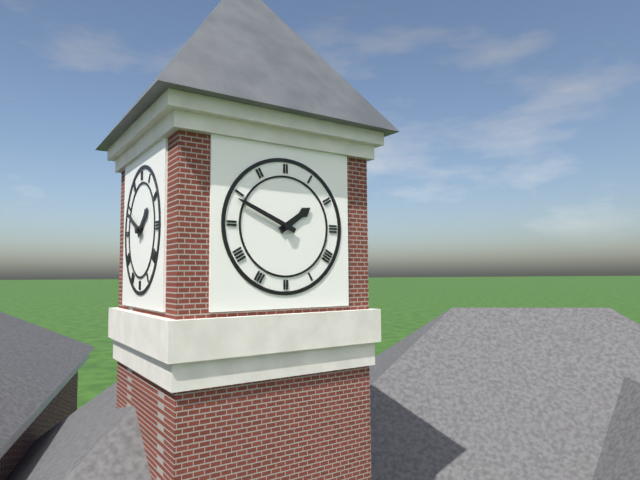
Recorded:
{"hour": 1, "minute": 49}
